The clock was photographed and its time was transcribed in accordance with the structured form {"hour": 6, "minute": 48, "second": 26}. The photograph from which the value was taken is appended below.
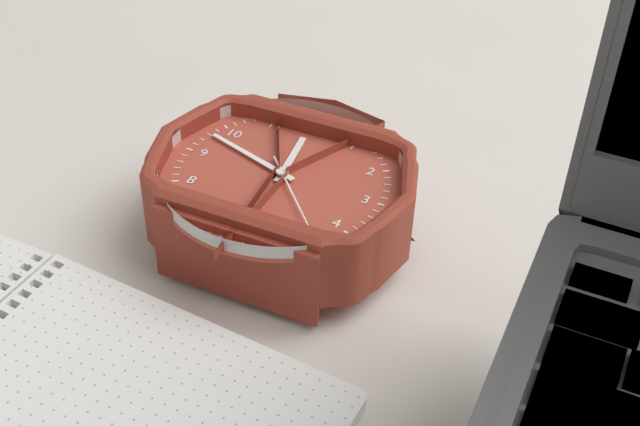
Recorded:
{"hour": 11, "minute": 48, "second": 23}
